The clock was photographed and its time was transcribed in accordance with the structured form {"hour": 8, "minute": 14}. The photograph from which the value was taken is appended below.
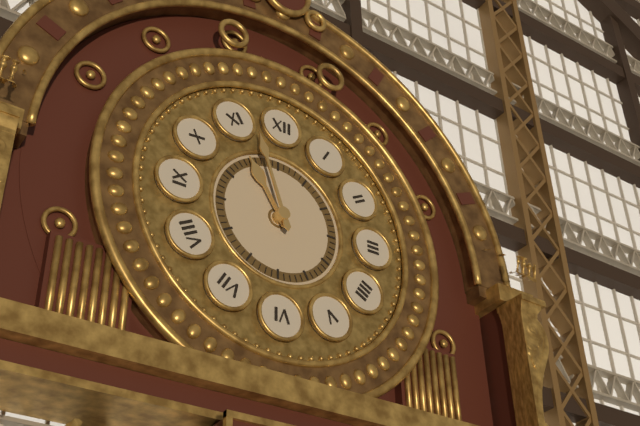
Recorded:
{"hour": 10, "minute": 57}
